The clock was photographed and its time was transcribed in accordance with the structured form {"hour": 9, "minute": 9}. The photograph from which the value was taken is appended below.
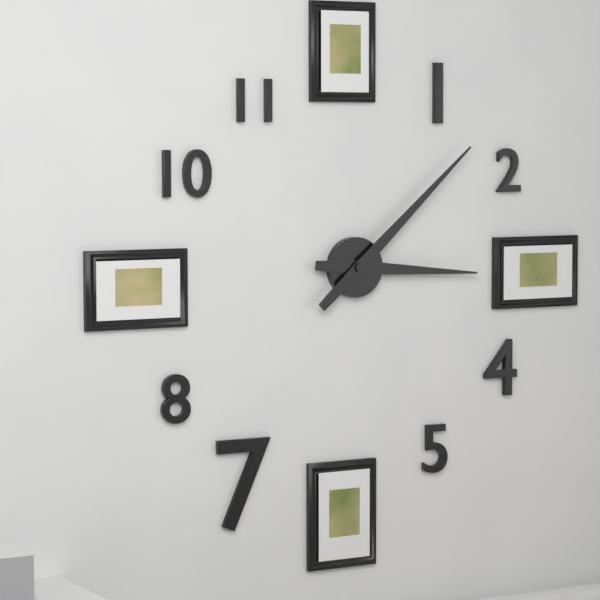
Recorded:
{"hour": 3, "minute": 8}
